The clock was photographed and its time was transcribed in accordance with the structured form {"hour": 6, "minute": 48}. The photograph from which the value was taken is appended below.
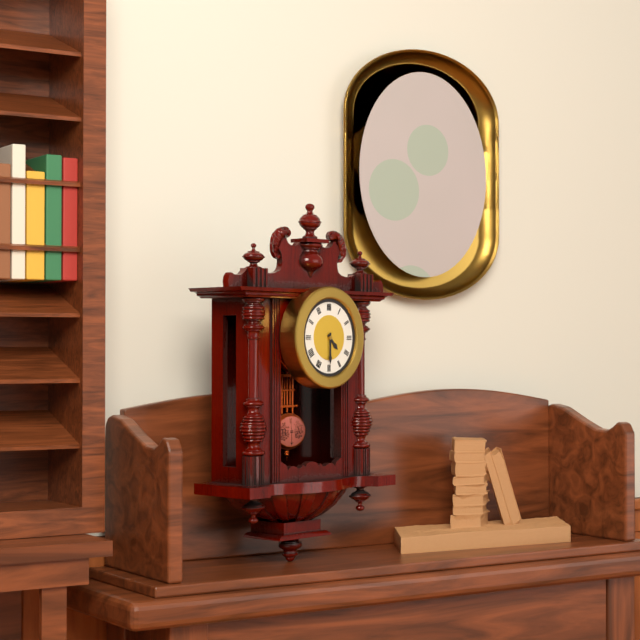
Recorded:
{"hour": 4, "minute": 30}
